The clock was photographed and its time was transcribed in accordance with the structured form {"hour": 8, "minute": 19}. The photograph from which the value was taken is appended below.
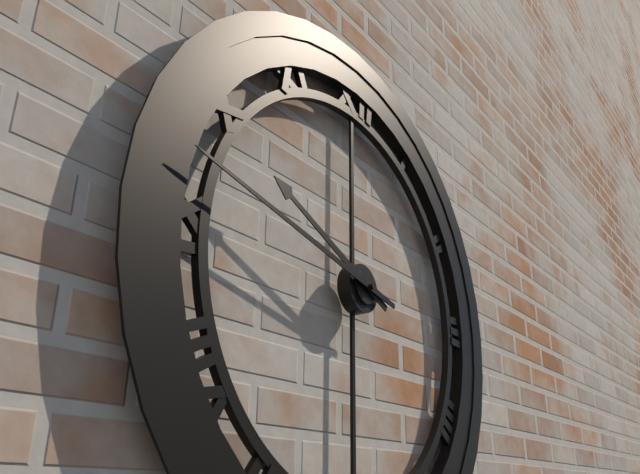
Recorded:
{"hour": 9, "minute": 47}
